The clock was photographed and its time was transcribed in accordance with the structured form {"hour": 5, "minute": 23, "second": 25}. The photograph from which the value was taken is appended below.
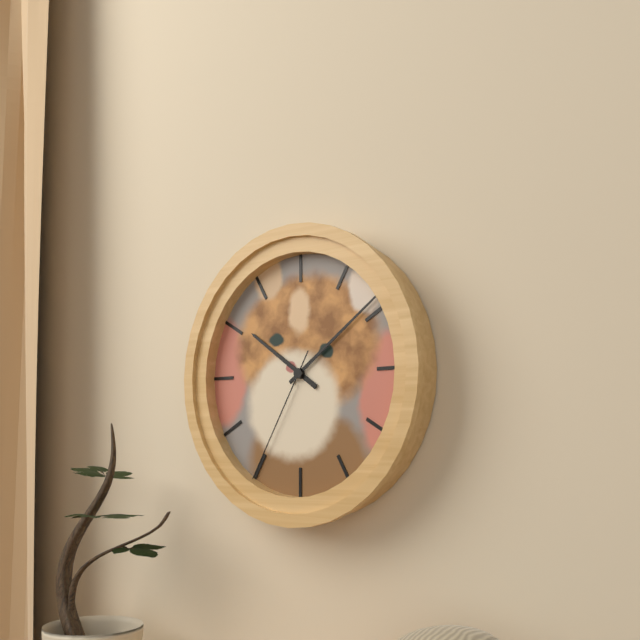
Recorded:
{"hour": 10, "minute": 9, "second": 35}
